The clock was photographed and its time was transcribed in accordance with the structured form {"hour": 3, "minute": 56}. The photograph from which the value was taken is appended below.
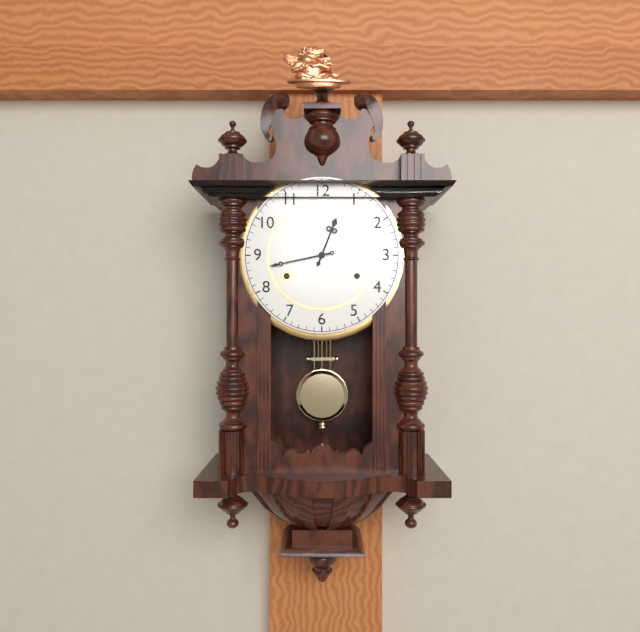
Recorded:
{"hour": 12, "minute": 43}
